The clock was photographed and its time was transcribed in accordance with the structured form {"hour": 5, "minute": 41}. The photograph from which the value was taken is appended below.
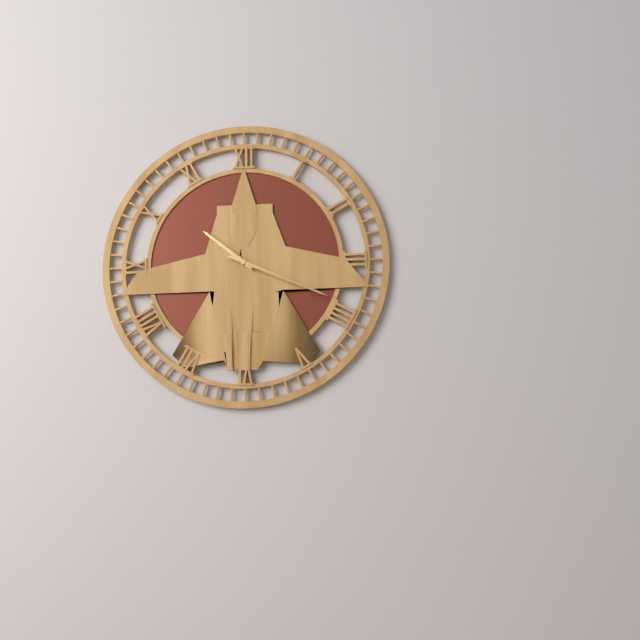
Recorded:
{"hour": 10, "minute": 19}
